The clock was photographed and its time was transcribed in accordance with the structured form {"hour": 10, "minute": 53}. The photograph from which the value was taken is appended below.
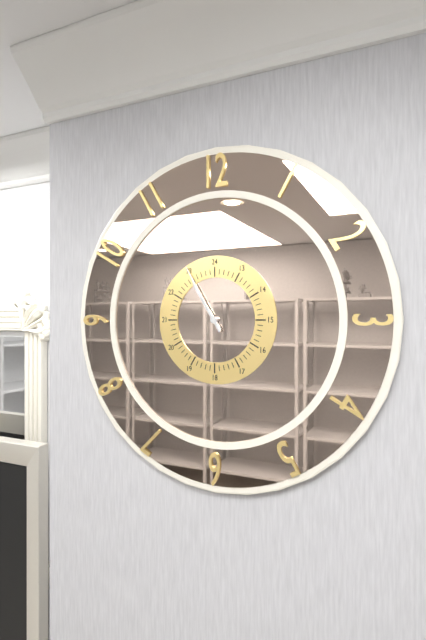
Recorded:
{"hour": 10, "minute": 55}
